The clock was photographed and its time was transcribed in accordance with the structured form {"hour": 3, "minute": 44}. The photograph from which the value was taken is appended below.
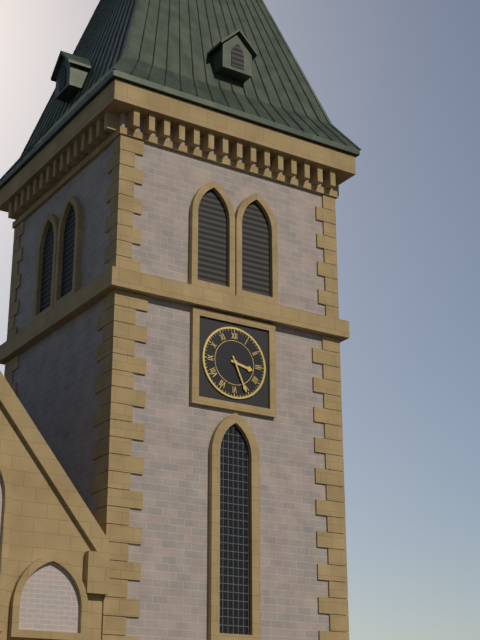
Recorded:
{"hour": 3, "minute": 26}
